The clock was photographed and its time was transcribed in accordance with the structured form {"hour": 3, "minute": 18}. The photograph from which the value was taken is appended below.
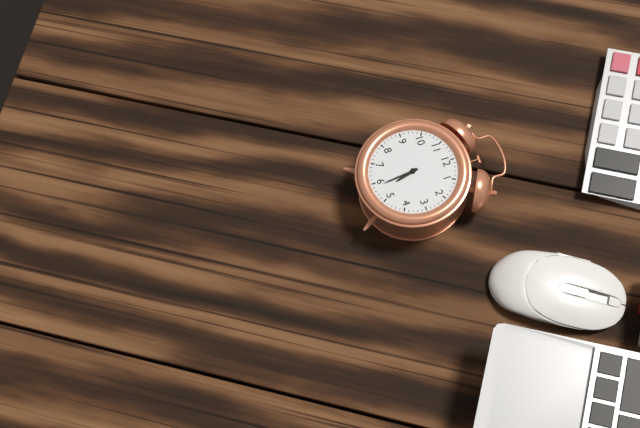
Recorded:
{"hour": 5, "minute": 29}
